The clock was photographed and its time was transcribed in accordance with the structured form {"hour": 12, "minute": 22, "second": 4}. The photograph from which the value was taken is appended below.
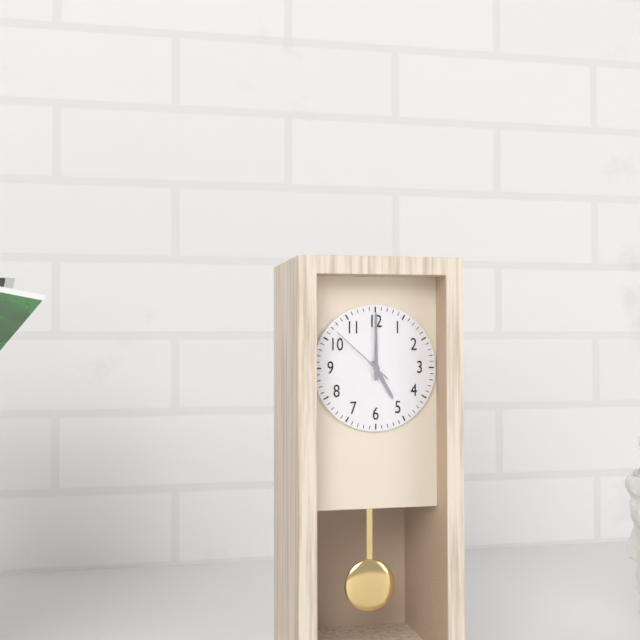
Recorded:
{"hour": 5, "minute": 0, "second": 52}
